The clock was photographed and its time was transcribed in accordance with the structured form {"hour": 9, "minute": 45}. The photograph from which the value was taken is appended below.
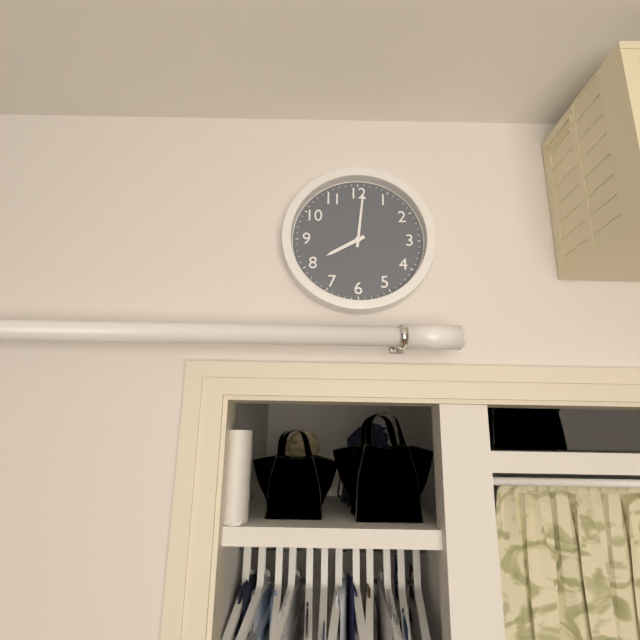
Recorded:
{"hour": 8, "minute": 1}
